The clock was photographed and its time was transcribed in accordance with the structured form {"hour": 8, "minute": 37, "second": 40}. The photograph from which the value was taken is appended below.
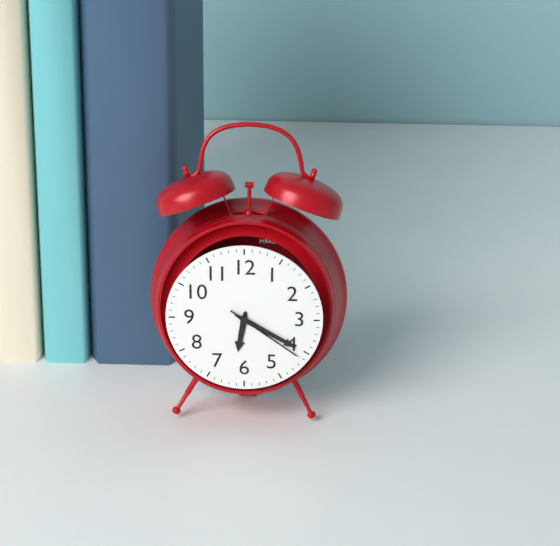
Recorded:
{"hour": 6, "minute": 20, "second": 21}
